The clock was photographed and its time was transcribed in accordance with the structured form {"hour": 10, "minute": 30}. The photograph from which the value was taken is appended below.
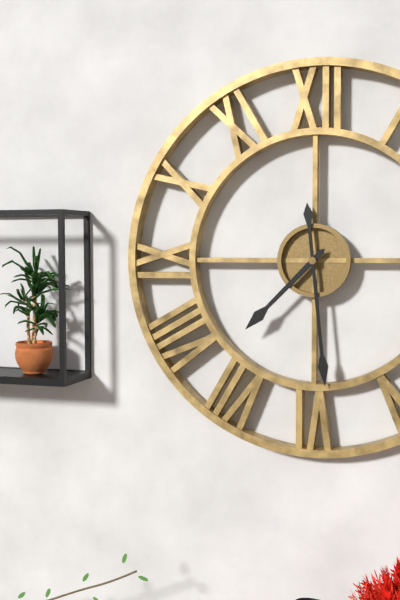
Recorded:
{"hour": 7, "minute": 29}
